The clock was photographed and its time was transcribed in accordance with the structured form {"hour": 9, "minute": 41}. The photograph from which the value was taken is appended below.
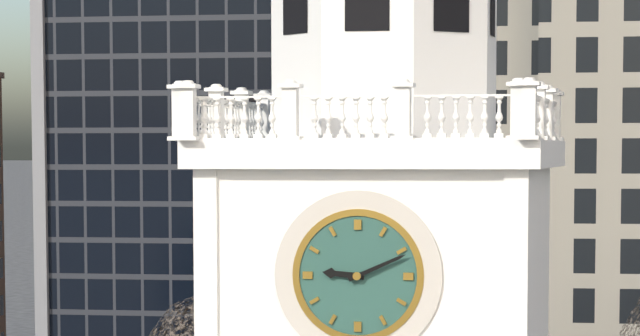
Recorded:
{"hour": 9, "minute": 11}
